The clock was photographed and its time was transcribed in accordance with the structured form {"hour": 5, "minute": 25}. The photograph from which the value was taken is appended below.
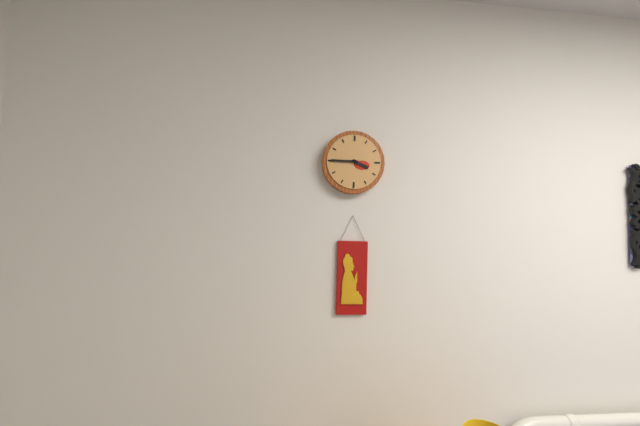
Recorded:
{"hour": 3, "minute": 45}
